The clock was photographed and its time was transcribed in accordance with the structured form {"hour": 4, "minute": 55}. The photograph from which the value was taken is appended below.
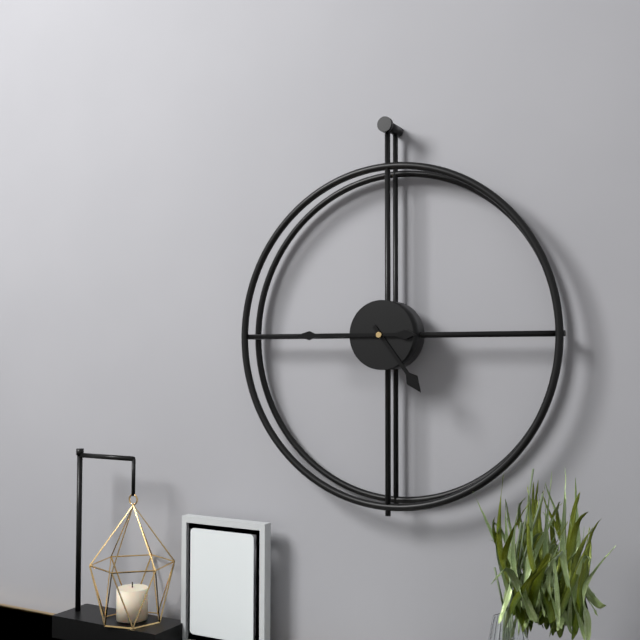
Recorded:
{"hour": 4, "minute": 45}
